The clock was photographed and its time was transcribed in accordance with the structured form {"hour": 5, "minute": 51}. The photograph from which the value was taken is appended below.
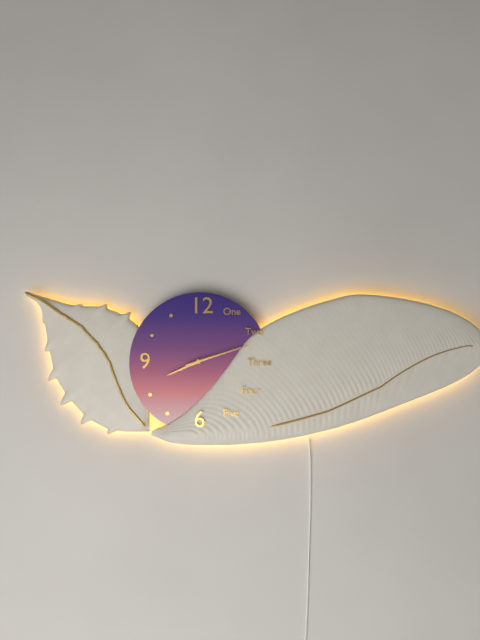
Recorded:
{"hour": 8, "minute": 12}
